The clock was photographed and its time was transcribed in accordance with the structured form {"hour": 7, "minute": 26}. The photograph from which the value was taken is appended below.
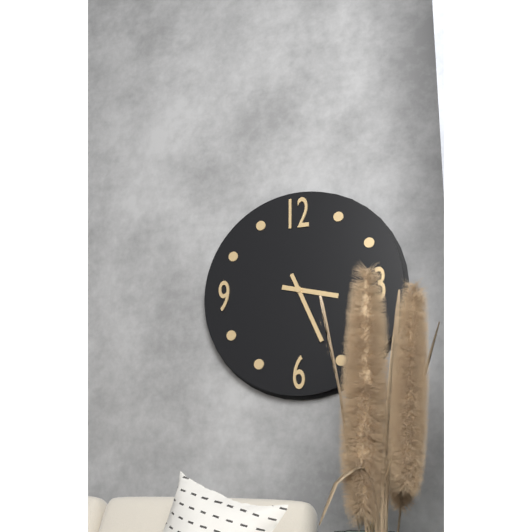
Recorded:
{"hour": 3, "minute": 26}
